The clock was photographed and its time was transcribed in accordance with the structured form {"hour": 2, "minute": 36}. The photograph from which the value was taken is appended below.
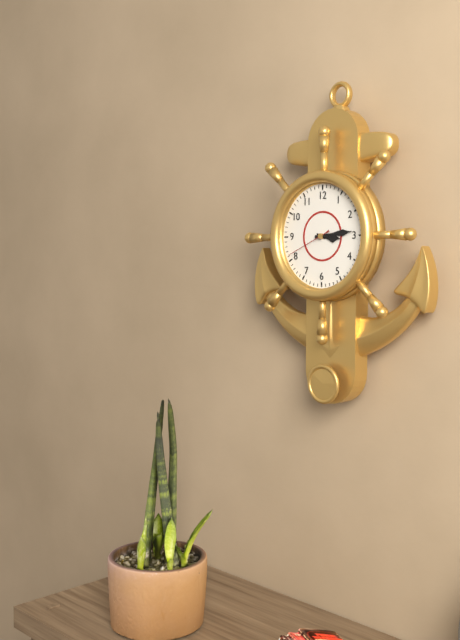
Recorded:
{"hour": 3, "minute": 14}
